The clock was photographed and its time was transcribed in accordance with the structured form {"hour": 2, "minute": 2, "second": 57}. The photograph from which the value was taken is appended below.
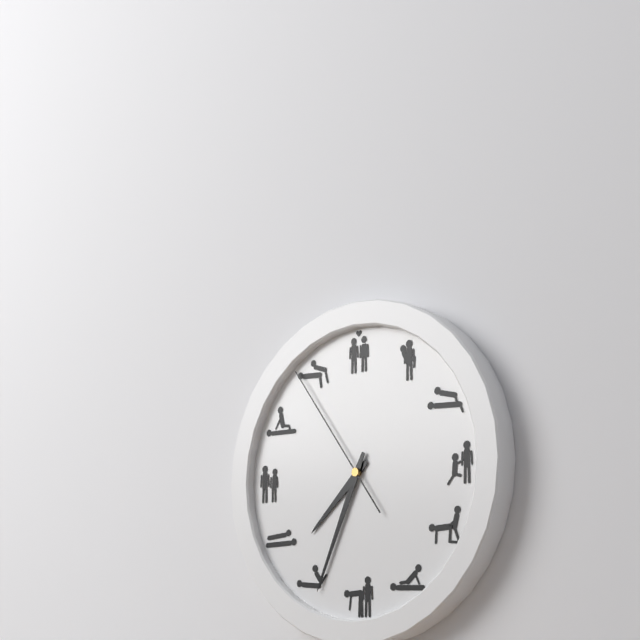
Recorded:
{"hour": 7, "minute": 34, "second": 54}
